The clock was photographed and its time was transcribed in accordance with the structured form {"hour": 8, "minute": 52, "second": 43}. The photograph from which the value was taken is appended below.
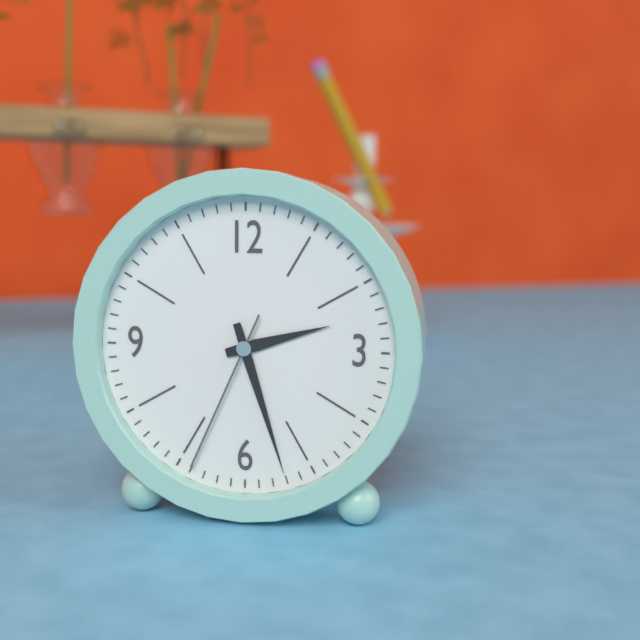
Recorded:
{"hour": 2, "minute": 27, "second": 34}
